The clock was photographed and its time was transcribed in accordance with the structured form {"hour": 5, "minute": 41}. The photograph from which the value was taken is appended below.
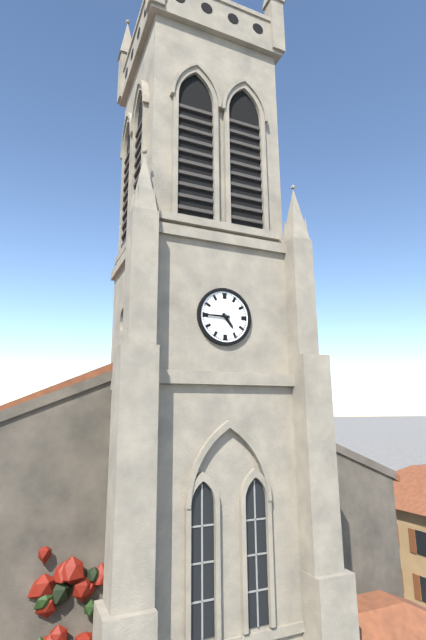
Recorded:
{"hour": 4, "minute": 45}
